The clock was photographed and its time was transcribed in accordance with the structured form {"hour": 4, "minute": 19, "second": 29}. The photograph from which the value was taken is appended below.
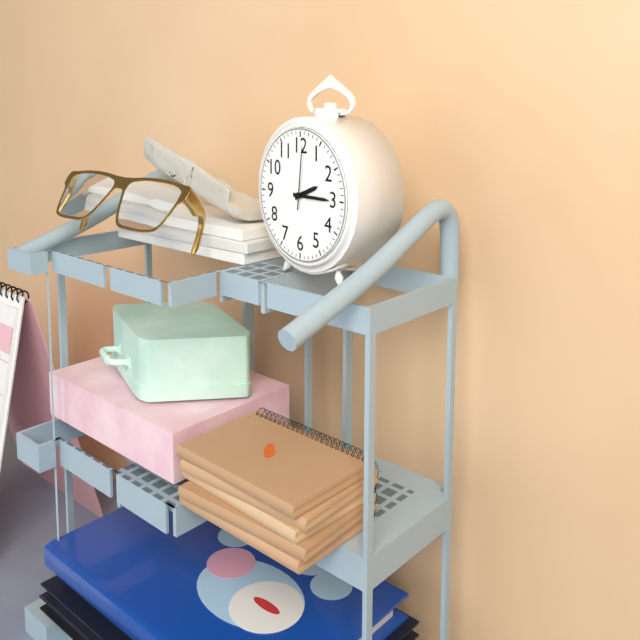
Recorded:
{"hour": 2, "minute": 15, "second": 1}
